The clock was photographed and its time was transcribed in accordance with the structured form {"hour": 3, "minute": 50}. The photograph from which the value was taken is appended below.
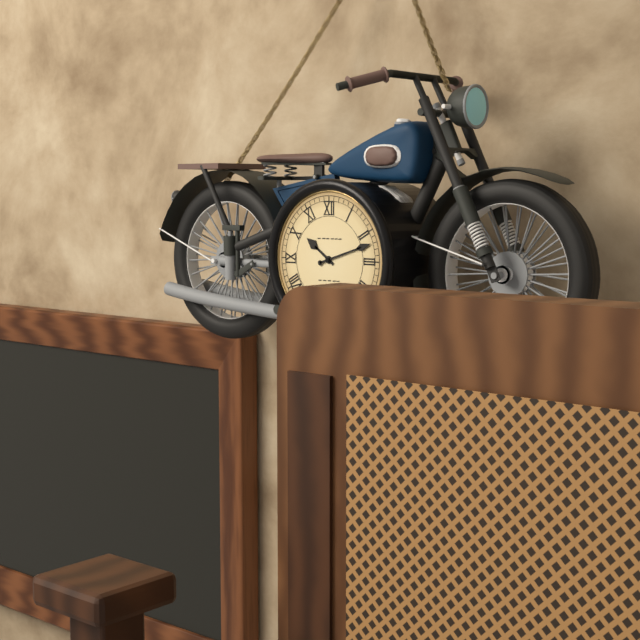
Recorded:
{"hour": 10, "minute": 12}
